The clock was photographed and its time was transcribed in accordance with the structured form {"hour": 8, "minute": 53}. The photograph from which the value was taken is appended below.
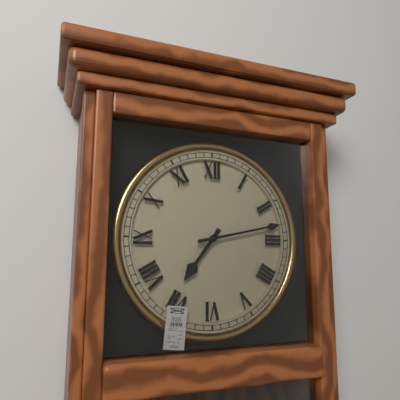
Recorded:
{"hour": 7, "minute": 13}
